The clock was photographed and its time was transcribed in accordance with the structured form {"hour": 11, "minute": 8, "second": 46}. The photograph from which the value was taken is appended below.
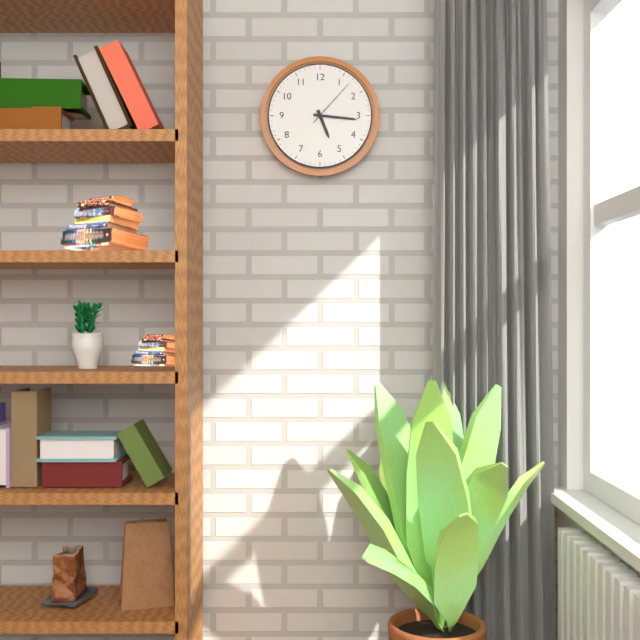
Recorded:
{"hour": 5, "minute": 16, "second": 7}
